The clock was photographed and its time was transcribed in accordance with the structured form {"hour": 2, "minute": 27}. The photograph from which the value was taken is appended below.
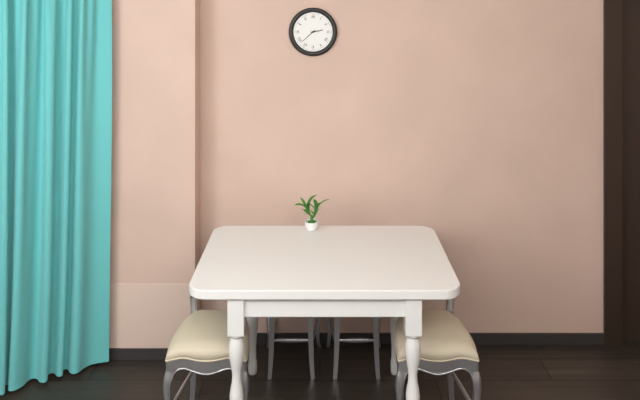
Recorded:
{"hour": 2, "minute": 38}
